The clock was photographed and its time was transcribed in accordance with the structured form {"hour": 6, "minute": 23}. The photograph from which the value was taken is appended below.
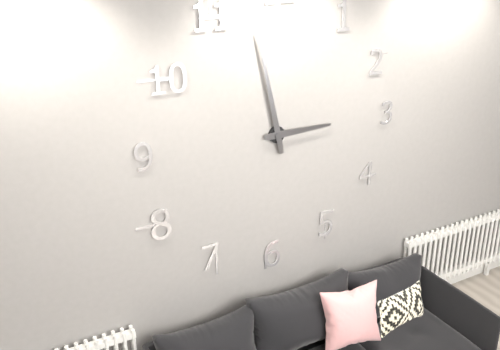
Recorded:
{"hour": 2, "minute": 58}
